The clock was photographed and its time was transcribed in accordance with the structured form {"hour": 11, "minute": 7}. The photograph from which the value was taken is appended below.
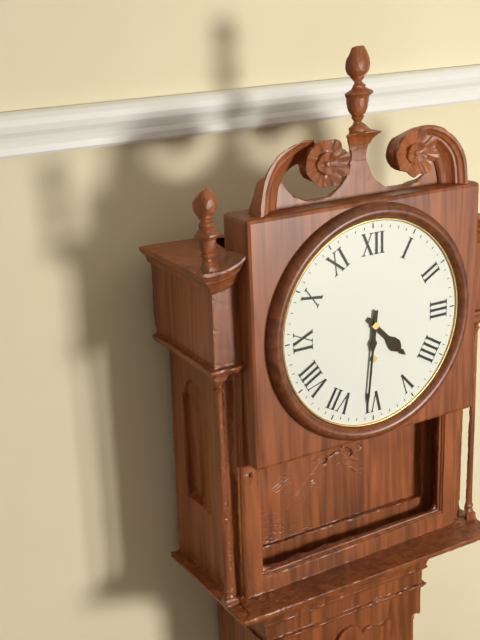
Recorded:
{"hour": 4, "minute": 31}
